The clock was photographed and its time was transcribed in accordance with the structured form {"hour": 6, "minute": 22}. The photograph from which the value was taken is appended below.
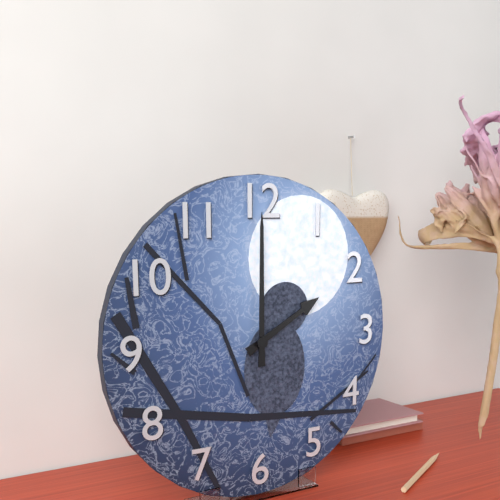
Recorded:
{"hour": 2, "minute": 0}
